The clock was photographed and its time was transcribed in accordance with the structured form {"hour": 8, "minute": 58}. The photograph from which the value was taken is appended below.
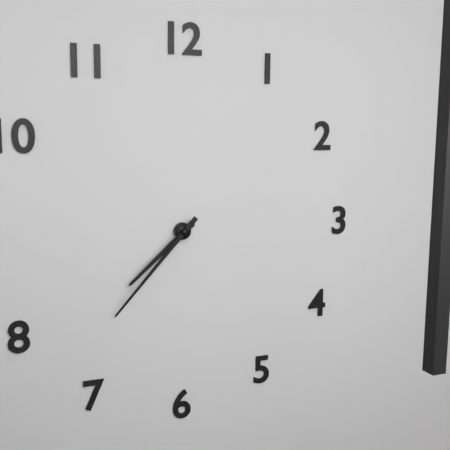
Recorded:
{"hour": 7, "minute": 37}
